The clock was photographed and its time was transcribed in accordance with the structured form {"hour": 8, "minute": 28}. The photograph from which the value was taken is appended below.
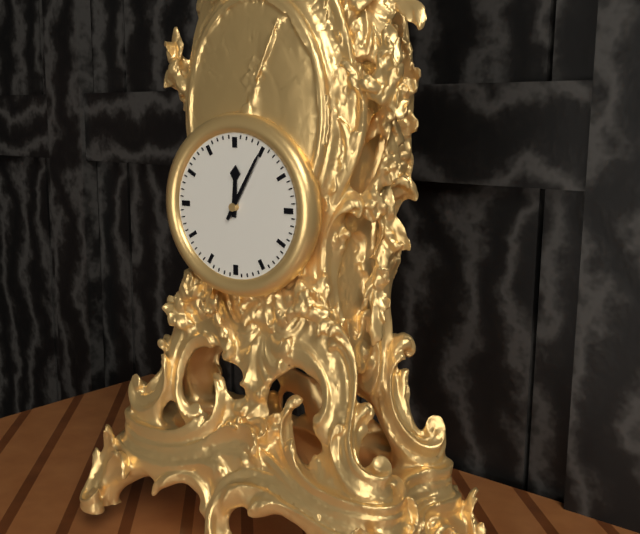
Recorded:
{"hour": 12, "minute": 5}
